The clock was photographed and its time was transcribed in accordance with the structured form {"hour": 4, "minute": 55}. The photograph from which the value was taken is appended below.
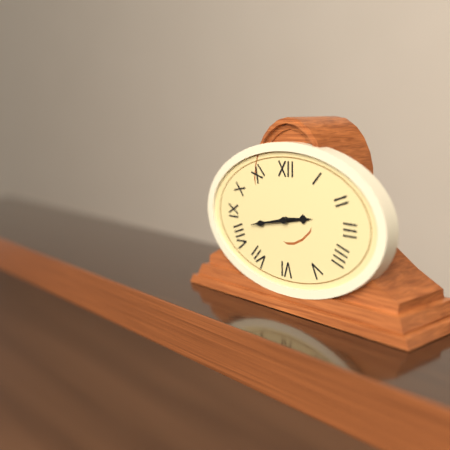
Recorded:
{"hour": 2, "minute": 43}
